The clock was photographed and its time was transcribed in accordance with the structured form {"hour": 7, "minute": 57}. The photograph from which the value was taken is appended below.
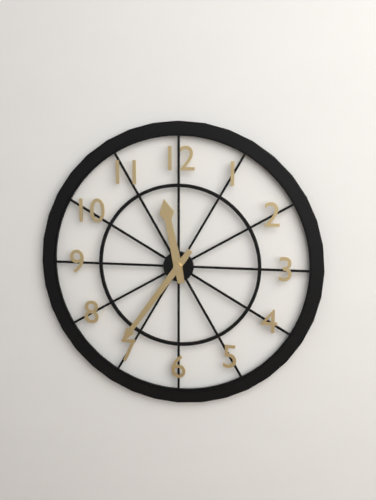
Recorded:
{"hour": 11, "minute": 36}
